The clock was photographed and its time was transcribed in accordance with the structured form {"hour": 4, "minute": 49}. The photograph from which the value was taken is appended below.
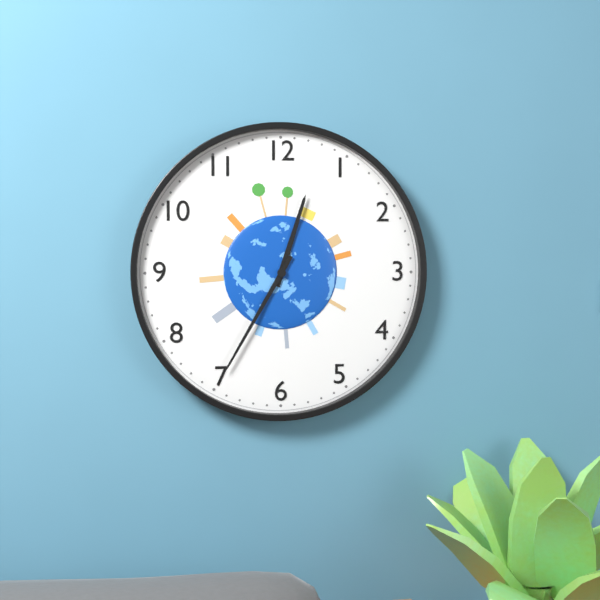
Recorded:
{"hour": 12, "minute": 35}
